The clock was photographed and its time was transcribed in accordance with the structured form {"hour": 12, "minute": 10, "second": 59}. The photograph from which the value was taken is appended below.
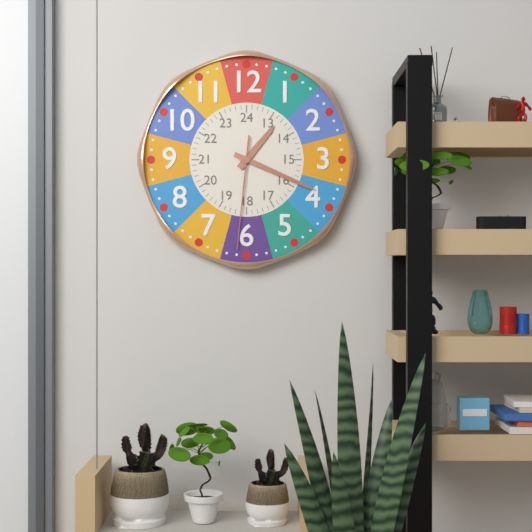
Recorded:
{"hour": 1, "minute": 19, "second": 31}
